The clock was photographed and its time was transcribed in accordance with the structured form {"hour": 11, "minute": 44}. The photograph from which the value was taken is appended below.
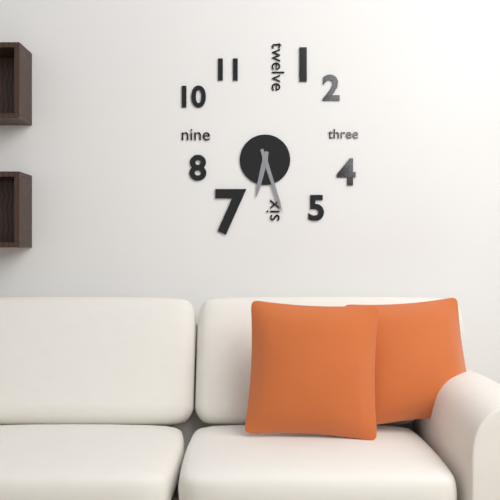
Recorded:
{"hour": 6, "minute": 27}
